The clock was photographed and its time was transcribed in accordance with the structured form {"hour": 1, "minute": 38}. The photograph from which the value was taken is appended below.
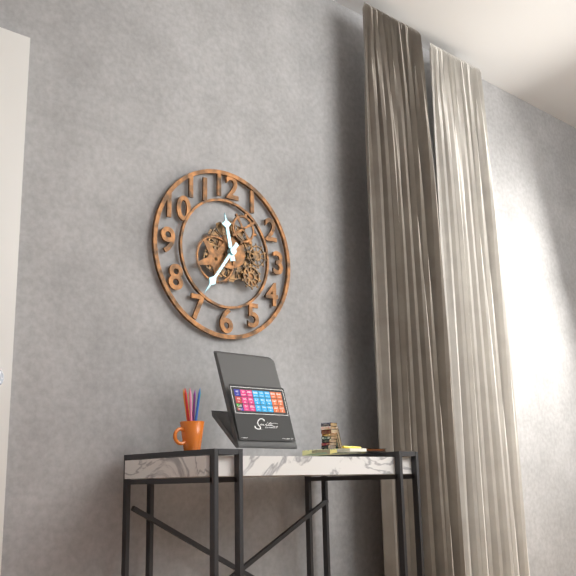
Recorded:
{"hour": 11, "minute": 36}
